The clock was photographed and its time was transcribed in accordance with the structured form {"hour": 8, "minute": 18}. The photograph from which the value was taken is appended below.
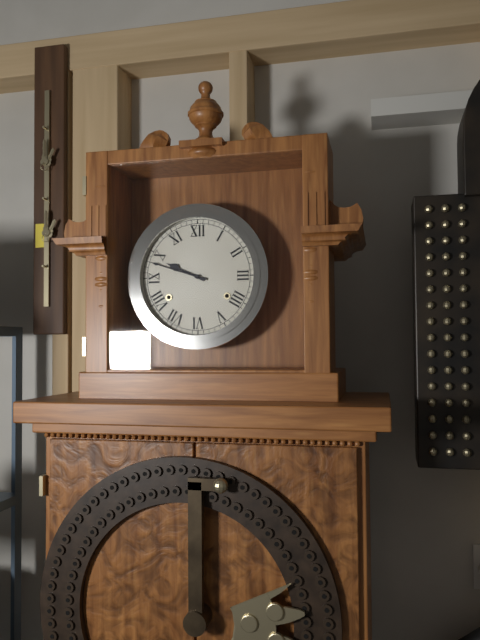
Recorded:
{"hour": 9, "minute": 48}
